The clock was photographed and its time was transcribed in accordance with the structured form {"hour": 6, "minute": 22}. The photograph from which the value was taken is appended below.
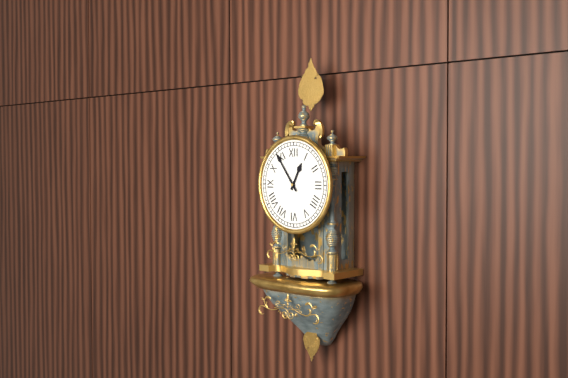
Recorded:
{"hour": 12, "minute": 54}
